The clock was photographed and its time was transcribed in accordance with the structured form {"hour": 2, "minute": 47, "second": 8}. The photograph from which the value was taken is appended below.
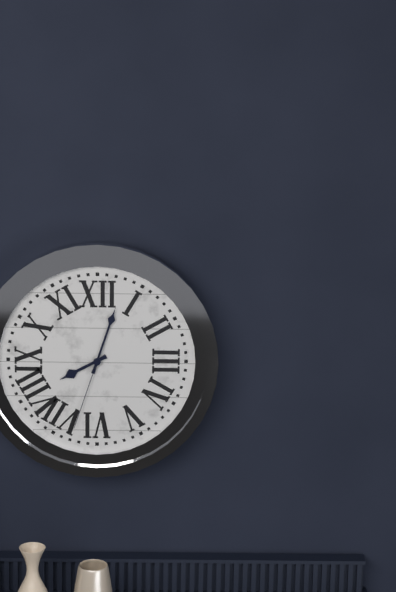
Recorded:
{"hour": 8, "minute": 3, "second": 33}
